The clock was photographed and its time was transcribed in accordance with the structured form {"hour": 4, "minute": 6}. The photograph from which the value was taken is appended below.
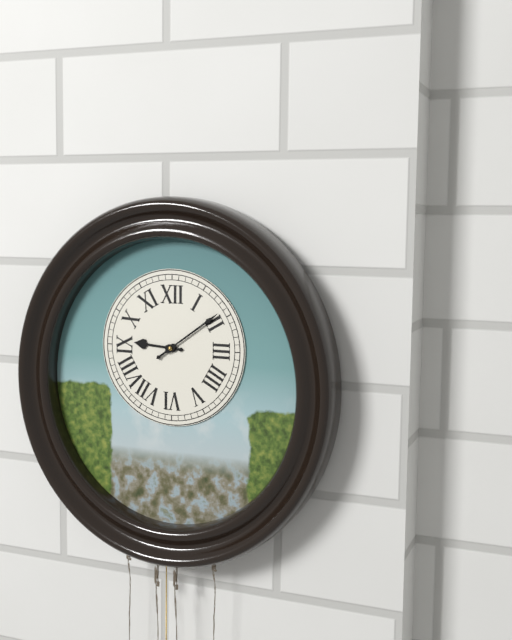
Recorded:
{"hour": 9, "minute": 9}
